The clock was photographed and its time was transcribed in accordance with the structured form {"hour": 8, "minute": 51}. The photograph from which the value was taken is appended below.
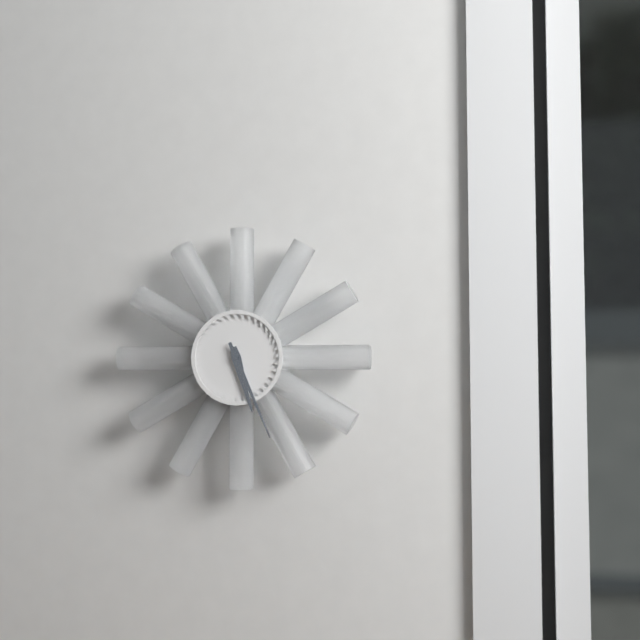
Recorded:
{"hour": 5, "minute": 26}
